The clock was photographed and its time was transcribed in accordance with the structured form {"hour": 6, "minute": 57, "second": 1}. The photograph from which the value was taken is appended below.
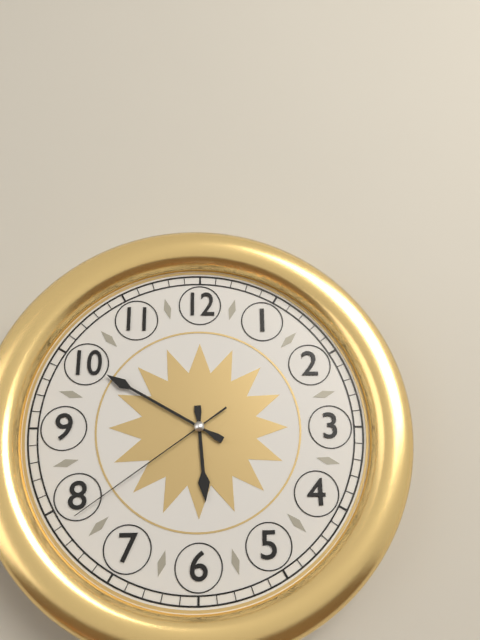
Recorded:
{"hour": 5, "minute": 50, "second": 39}
